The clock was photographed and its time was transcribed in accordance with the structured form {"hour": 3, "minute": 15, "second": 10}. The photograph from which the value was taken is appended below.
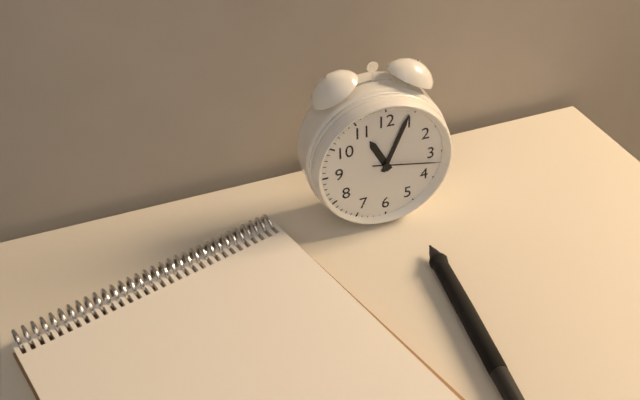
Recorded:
{"hour": 11, "minute": 4, "second": 17}
